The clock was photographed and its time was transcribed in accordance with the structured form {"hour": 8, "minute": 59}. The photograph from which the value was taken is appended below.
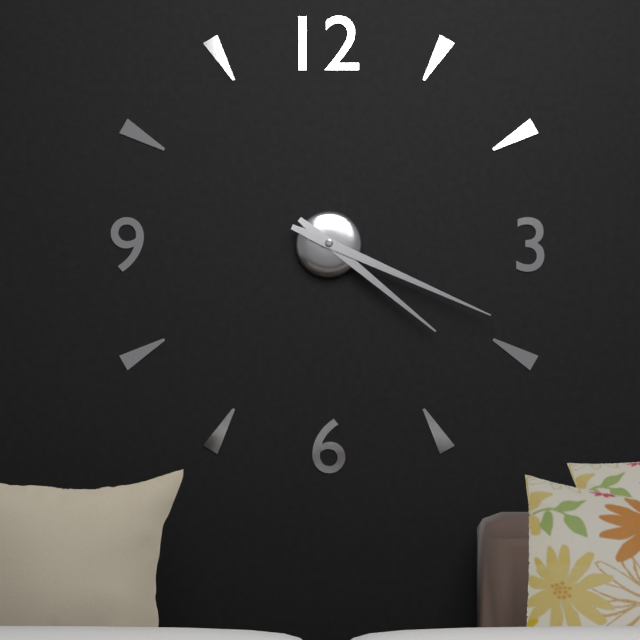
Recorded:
{"hour": 4, "minute": 19}
